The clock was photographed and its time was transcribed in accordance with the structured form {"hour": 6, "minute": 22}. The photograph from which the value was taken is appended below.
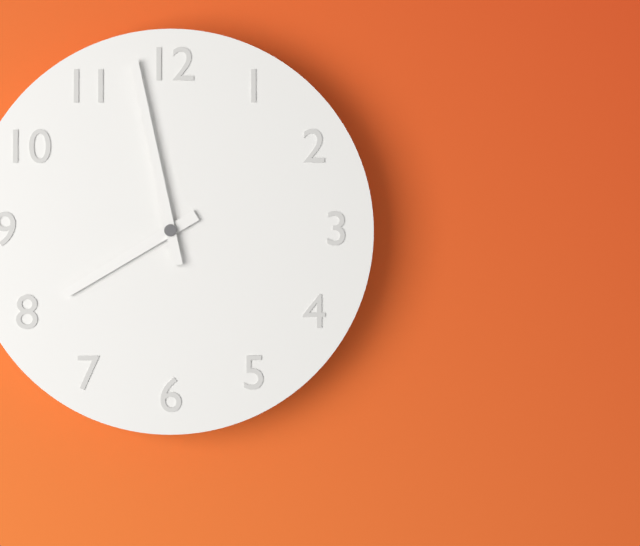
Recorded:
{"hour": 7, "minute": 58}
